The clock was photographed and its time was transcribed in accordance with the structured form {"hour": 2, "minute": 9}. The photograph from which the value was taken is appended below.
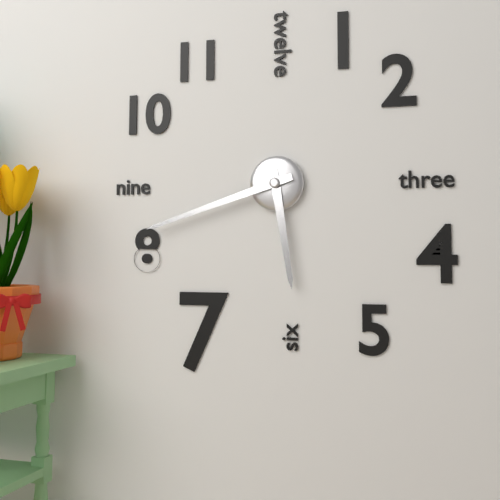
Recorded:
{"hour": 5, "minute": 42}
